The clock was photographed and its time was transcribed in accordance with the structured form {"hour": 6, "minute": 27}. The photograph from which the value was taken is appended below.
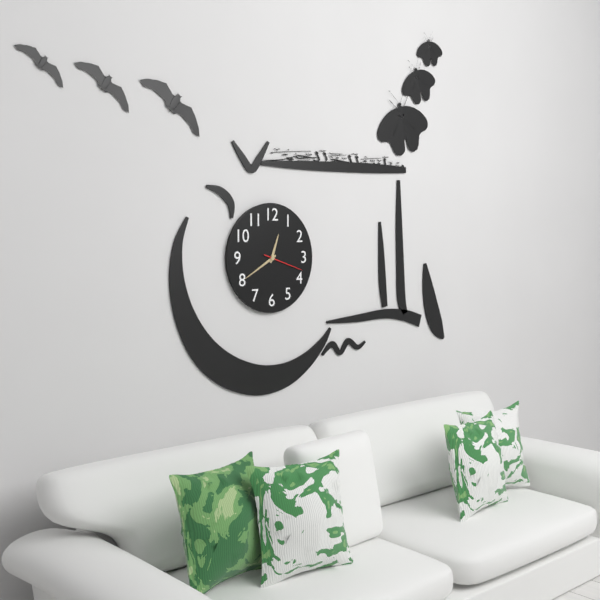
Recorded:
{"hour": 12, "minute": 40}
